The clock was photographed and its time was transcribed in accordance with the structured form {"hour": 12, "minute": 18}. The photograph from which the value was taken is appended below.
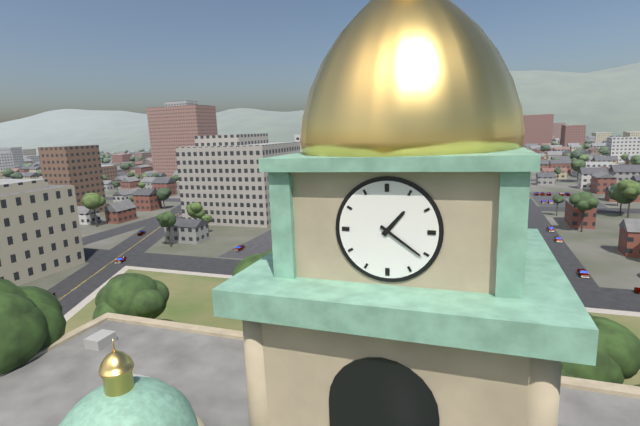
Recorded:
{"hour": 1, "minute": 21}
